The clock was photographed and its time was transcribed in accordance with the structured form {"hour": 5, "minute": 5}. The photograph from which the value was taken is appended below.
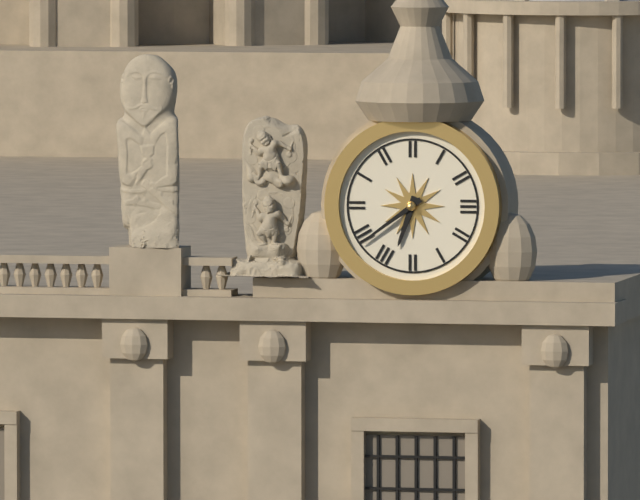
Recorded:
{"hour": 6, "minute": 39}
